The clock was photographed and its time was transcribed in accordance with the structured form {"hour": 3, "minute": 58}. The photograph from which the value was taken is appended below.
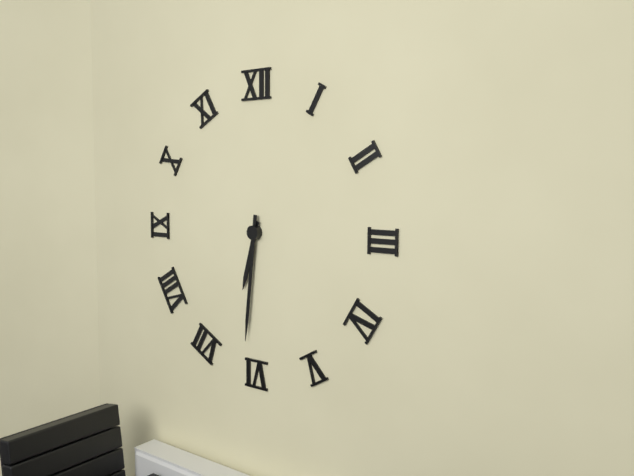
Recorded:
{"hour": 6, "minute": 31}
